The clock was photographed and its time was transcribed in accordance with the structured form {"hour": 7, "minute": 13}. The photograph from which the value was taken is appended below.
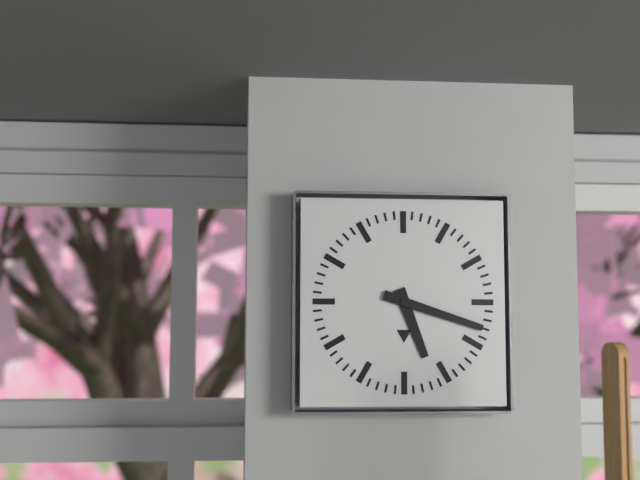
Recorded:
{"hour": 5, "minute": 18}
